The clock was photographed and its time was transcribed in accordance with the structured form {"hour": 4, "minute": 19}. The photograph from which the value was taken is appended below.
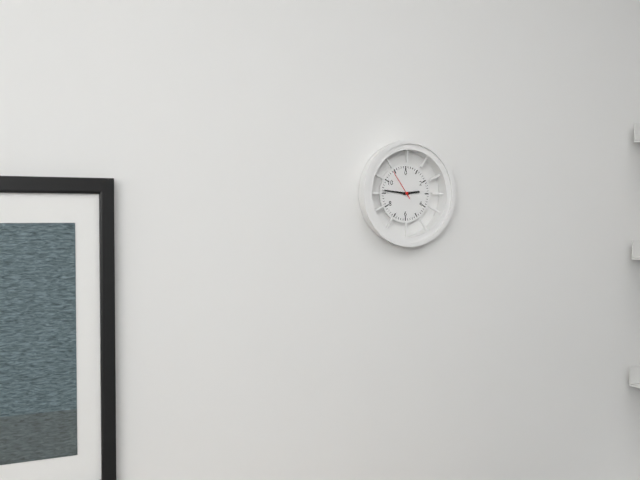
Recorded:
{"hour": 2, "minute": 46}
